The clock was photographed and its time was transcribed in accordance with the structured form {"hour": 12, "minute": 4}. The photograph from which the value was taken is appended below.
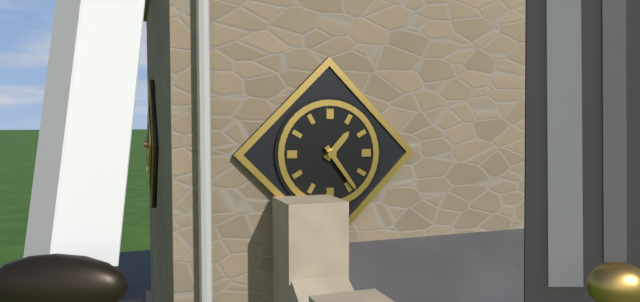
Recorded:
{"hour": 1, "minute": 24}
